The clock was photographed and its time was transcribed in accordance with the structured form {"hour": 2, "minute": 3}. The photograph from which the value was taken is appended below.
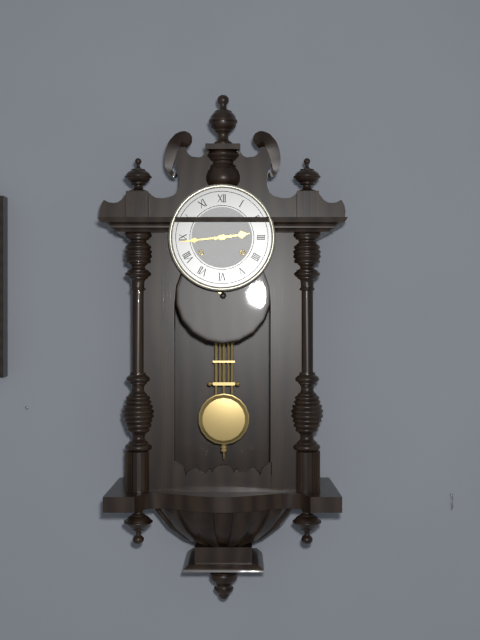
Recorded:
{"hour": 2, "minute": 44}
